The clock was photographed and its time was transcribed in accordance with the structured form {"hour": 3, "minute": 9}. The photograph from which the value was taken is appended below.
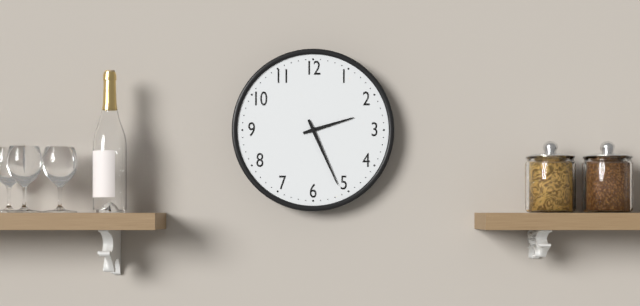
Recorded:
{"hour": 2, "minute": 26}
